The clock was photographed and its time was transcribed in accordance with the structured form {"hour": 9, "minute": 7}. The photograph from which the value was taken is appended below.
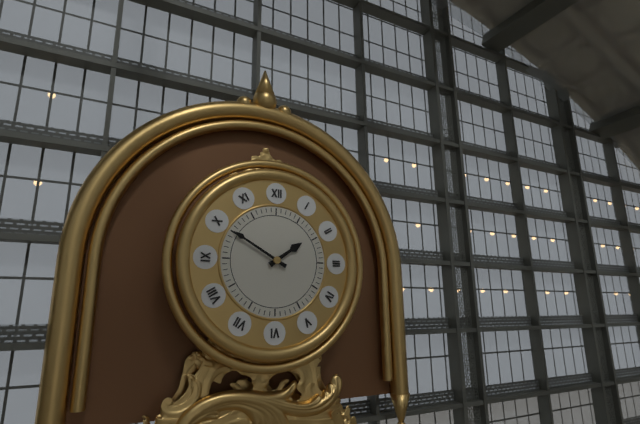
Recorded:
{"hour": 1, "minute": 50}
